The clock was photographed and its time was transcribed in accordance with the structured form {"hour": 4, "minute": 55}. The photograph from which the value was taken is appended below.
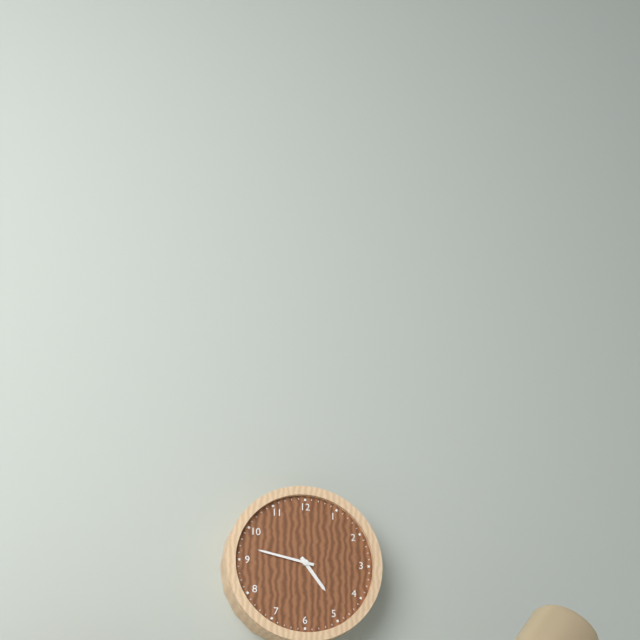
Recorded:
{"hour": 4, "minute": 47}
